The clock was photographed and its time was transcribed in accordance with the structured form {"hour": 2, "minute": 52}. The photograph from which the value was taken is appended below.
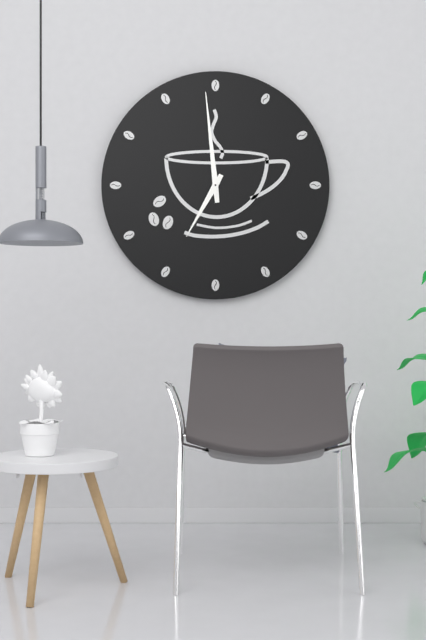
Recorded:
{"hour": 6, "minute": 59}
